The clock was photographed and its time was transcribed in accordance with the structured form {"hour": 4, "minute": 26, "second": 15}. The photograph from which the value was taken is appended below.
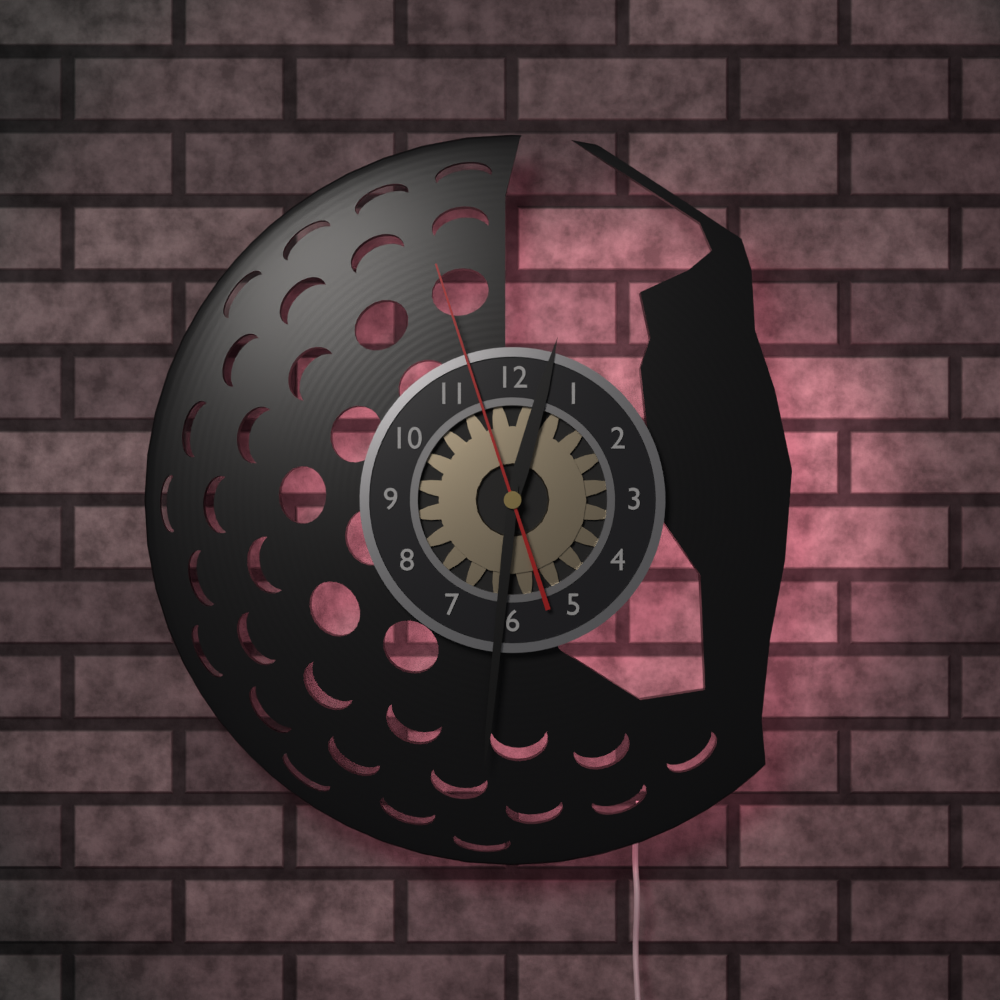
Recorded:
{"hour": 12, "minute": 31, "second": 57}
